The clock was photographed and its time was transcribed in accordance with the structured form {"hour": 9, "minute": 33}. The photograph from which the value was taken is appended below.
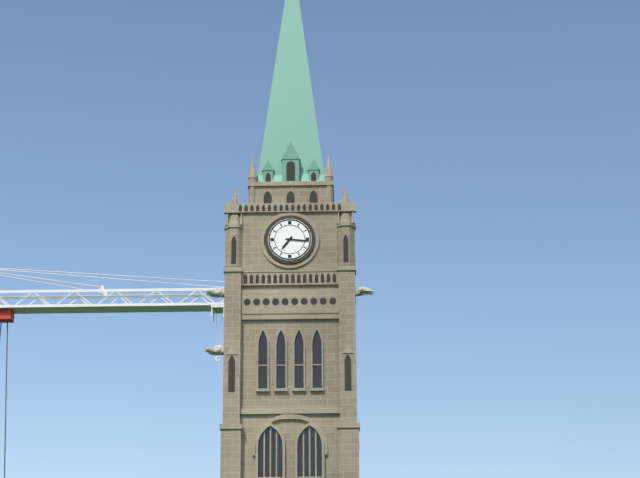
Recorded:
{"hour": 7, "minute": 16}
